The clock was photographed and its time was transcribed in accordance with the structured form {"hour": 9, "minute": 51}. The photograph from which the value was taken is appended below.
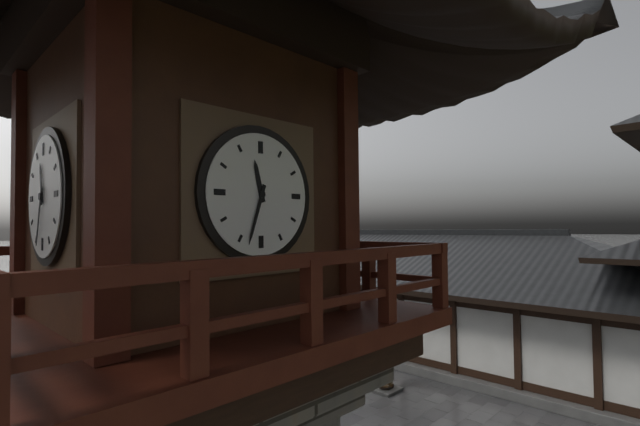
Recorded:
{"hour": 11, "minute": 33}
